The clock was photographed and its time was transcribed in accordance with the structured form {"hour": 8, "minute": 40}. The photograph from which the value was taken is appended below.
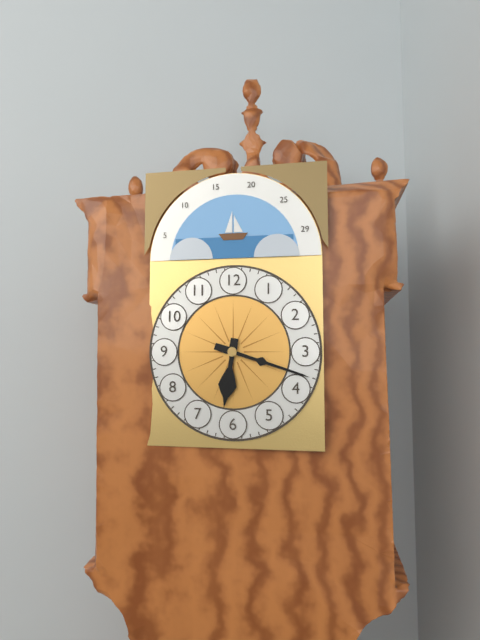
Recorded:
{"hour": 6, "minute": 18}
